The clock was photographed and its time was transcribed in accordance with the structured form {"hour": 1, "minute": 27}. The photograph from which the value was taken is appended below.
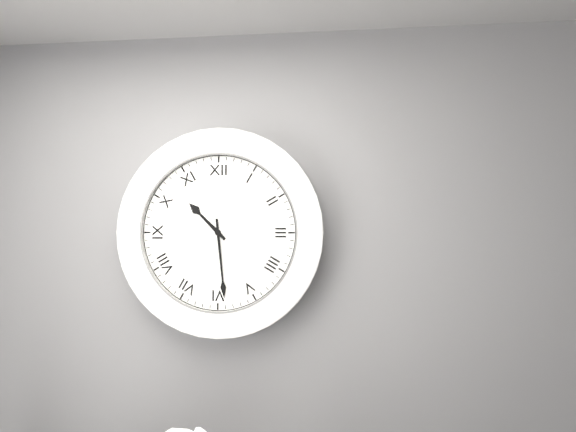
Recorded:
{"hour": 10, "minute": 29}
